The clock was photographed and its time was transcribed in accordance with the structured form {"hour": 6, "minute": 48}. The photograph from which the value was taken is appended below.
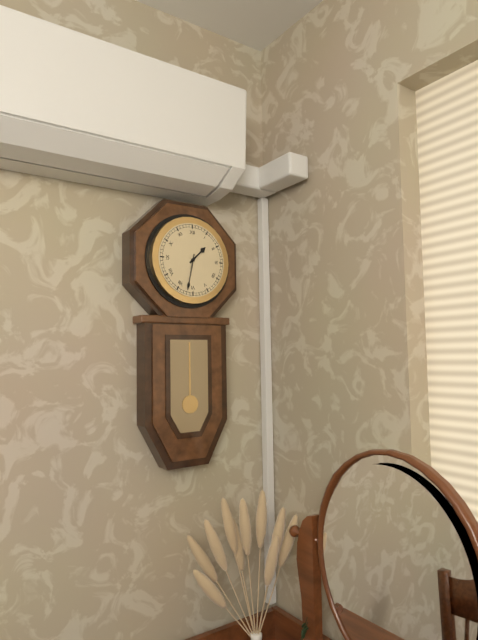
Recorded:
{"hour": 1, "minute": 32}
